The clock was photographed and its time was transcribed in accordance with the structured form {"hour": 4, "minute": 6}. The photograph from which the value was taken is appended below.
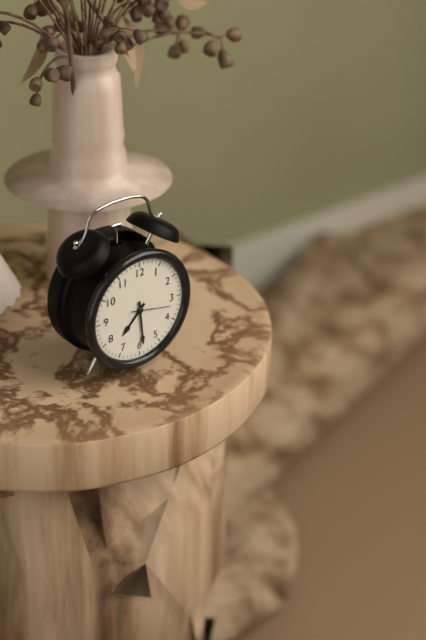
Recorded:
{"hour": 7, "minute": 29}
